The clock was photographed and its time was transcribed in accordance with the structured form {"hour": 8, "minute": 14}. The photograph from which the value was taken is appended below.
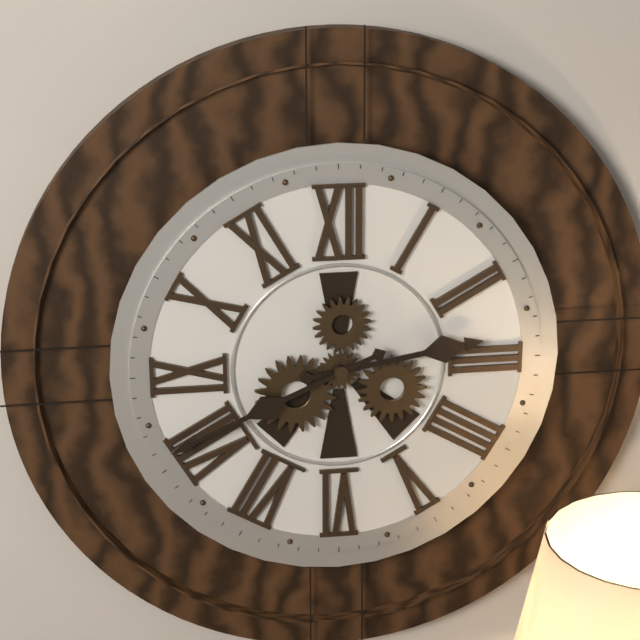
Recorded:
{"hour": 2, "minute": 41}
